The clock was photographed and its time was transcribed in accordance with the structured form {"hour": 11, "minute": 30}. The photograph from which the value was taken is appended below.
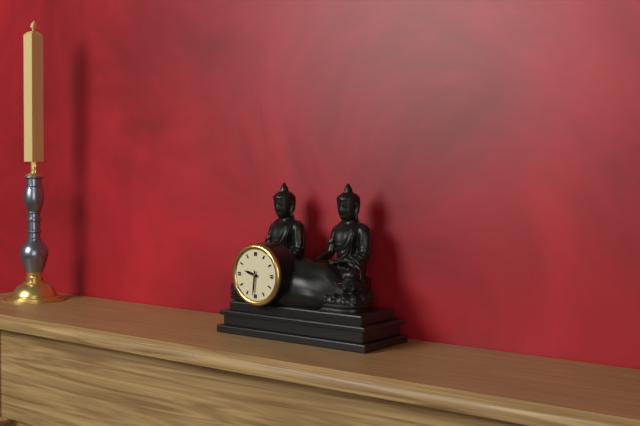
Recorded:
{"hour": 9, "minute": 31}
